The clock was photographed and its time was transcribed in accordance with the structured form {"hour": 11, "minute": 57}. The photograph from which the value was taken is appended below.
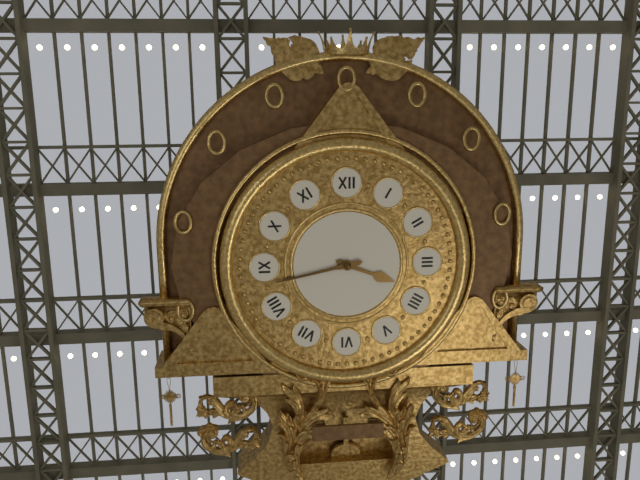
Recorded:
{"hour": 3, "minute": 43}
